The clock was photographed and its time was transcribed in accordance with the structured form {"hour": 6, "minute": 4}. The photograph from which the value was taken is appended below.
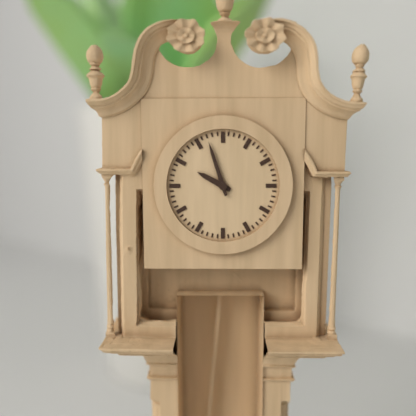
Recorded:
{"hour": 9, "minute": 57}
